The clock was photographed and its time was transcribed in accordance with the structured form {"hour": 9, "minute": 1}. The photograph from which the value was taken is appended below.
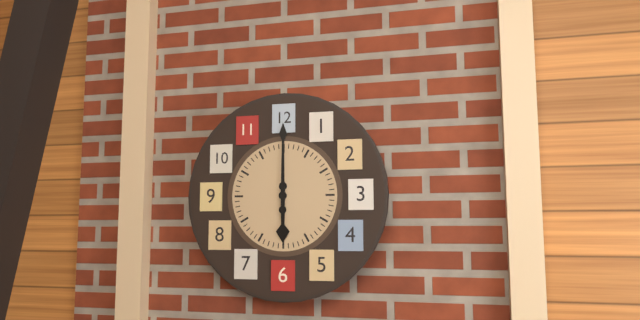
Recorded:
{"hour": 6, "minute": 0}
